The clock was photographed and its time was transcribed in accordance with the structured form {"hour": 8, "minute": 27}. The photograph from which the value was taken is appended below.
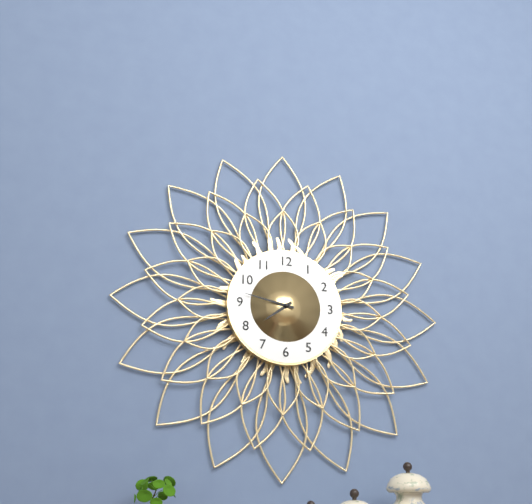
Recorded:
{"hour": 7, "minute": 47}
